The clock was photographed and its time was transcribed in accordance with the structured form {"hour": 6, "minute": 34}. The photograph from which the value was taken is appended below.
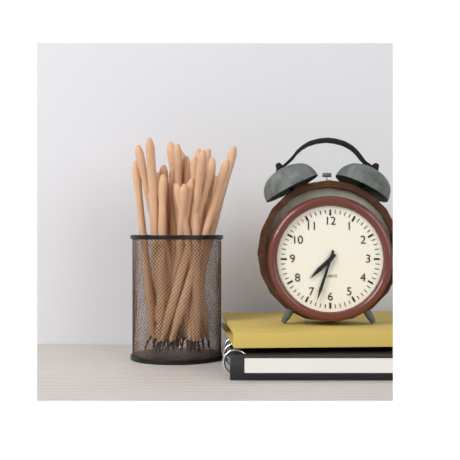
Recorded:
{"hour": 7, "minute": 33}
